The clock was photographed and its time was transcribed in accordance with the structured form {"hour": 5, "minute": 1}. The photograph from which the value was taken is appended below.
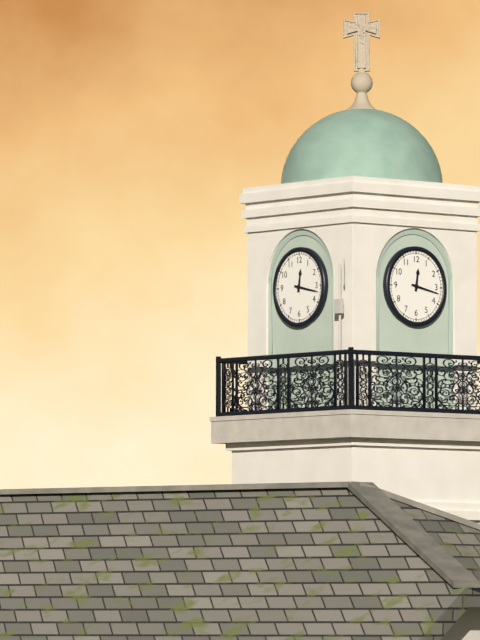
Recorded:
{"hour": 12, "minute": 17}
